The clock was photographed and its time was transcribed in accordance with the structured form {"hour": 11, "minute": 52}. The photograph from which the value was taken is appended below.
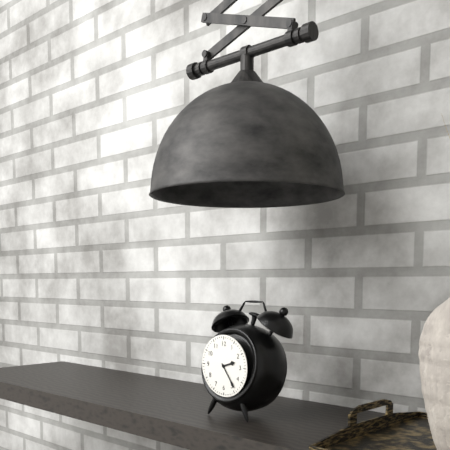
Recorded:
{"hour": 2, "minute": 24}
